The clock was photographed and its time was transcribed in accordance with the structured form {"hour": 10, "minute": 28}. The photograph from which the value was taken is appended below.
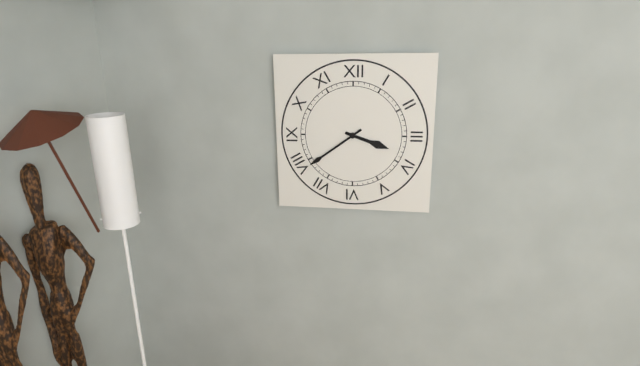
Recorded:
{"hour": 3, "minute": 39}
